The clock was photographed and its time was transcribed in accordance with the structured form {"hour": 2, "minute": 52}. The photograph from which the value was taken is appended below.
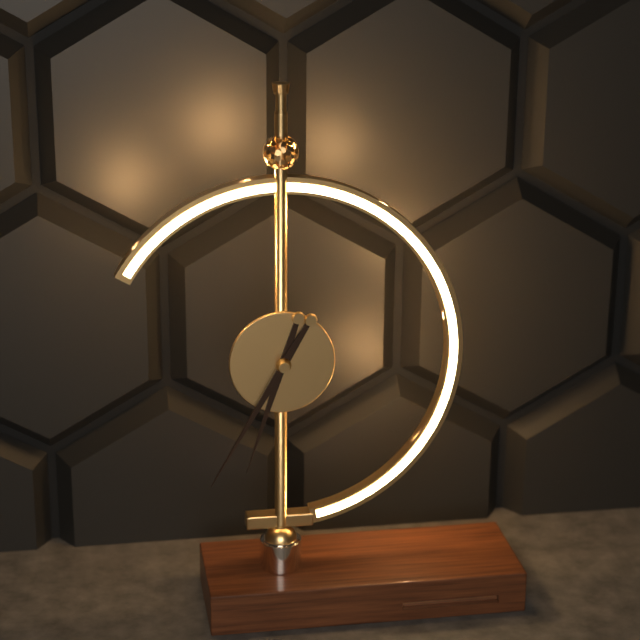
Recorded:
{"hour": 6, "minute": 35}
